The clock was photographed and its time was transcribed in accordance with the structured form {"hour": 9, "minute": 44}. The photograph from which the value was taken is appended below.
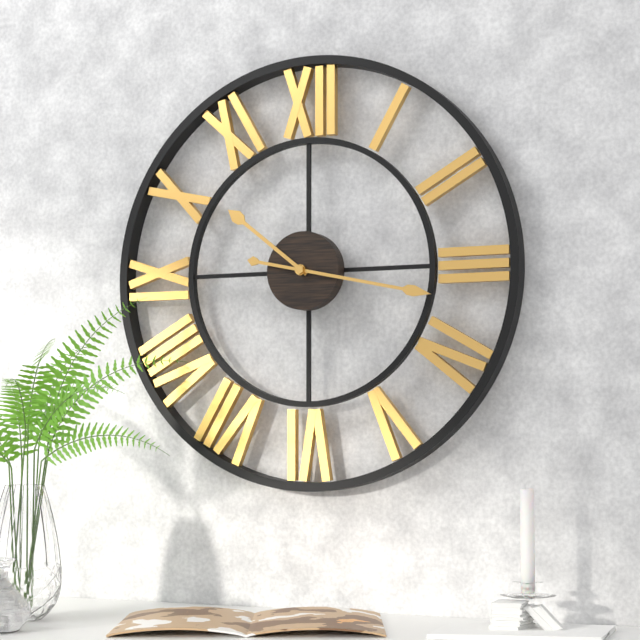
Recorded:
{"hour": 10, "minute": 17}
